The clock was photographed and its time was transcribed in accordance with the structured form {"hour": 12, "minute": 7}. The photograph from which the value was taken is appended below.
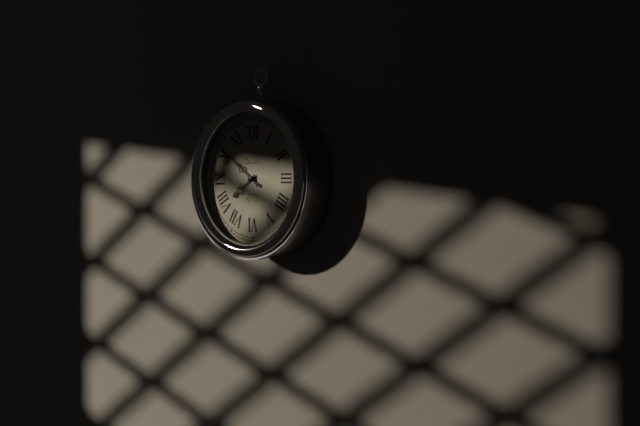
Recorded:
{"hour": 7, "minute": 51}
